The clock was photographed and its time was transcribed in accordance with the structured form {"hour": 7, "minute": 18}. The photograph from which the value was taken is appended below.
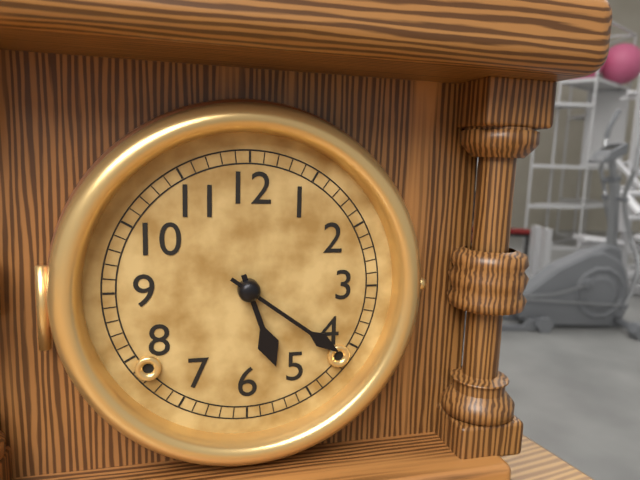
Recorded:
{"hour": 5, "minute": 21}
